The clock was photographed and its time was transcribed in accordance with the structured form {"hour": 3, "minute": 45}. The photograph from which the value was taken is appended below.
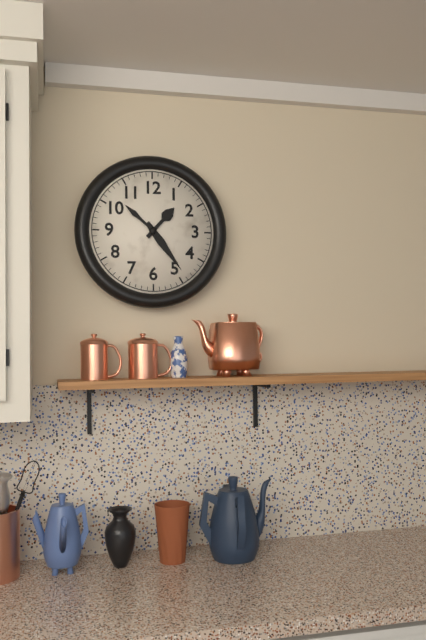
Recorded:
{"hour": 1, "minute": 24}
